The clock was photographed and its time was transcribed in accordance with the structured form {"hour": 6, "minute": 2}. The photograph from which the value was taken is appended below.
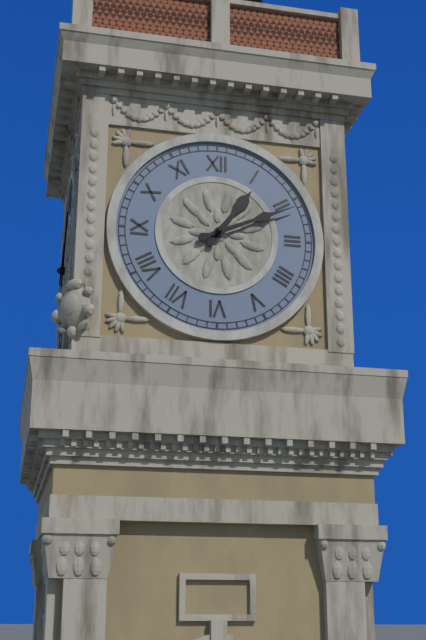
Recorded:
{"hour": 1, "minute": 11}
